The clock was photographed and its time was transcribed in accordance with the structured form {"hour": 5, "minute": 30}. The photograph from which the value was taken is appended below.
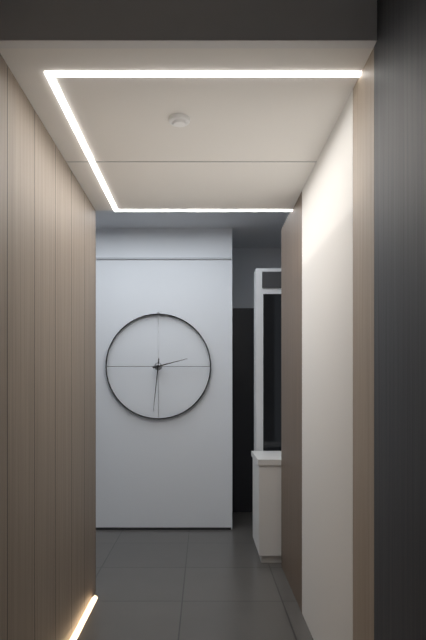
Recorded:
{"hour": 2, "minute": 31}
